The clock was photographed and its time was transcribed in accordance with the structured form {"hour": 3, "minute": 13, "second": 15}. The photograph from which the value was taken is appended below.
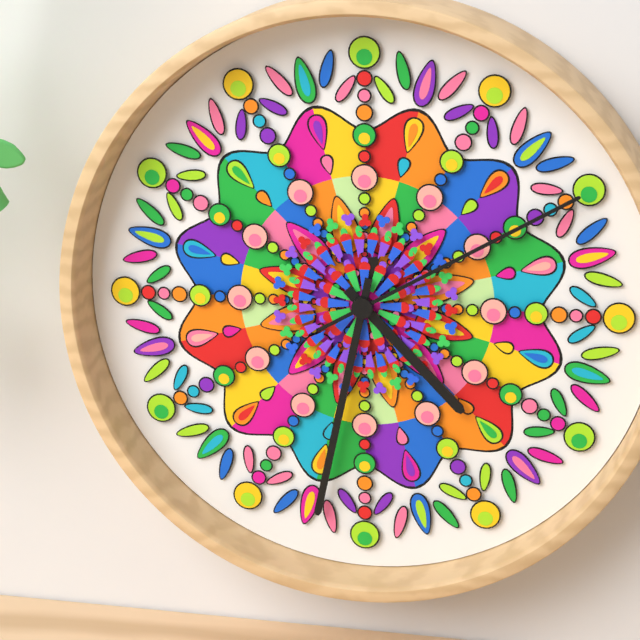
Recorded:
{"hour": 4, "minute": 32, "second": 10}
